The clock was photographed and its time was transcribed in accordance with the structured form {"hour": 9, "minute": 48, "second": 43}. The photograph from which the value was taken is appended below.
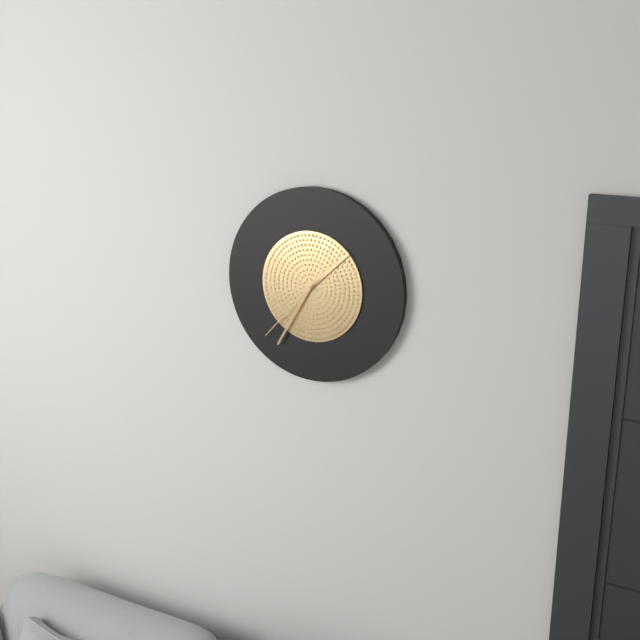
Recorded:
{"hour": 1, "minute": 35, "second": 37}
